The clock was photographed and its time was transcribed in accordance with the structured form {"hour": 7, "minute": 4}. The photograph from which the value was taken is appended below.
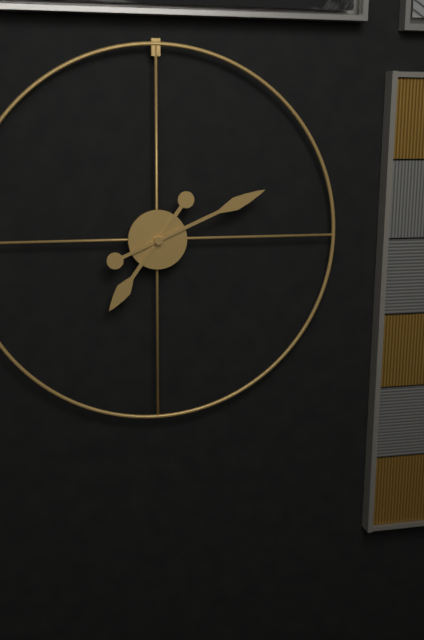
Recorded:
{"hour": 7, "minute": 11}
